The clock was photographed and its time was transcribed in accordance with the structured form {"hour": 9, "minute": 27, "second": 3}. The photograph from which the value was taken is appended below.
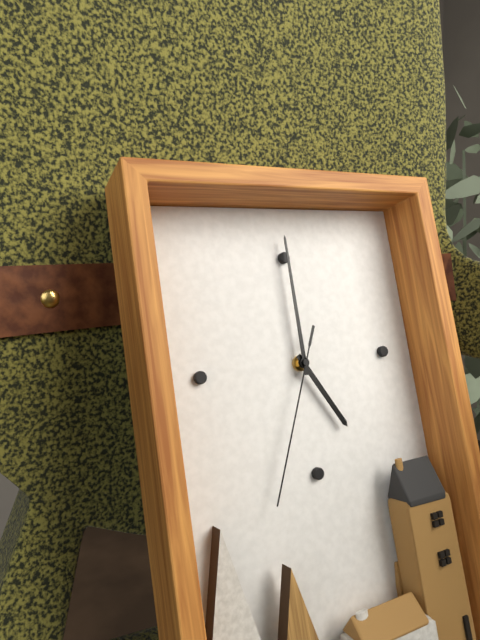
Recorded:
{"hour": 5, "minute": 0, "second": 34}
